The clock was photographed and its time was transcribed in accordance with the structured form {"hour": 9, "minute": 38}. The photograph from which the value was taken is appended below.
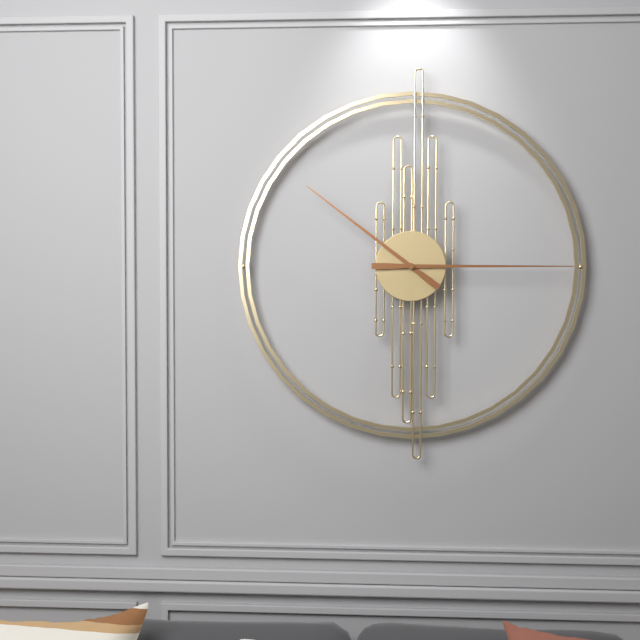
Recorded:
{"hour": 10, "minute": 15}
